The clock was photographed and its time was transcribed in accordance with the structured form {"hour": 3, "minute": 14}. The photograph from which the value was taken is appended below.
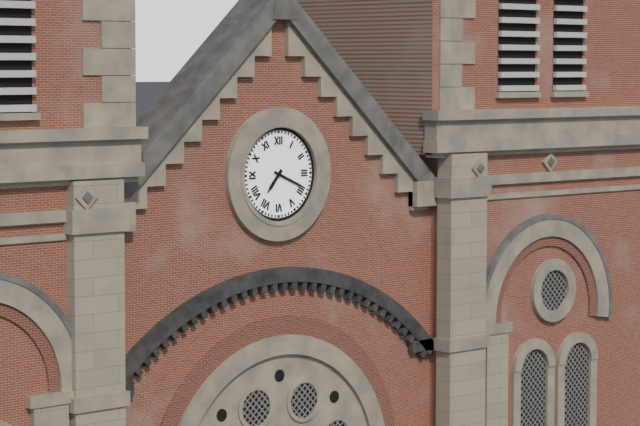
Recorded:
{"hour": 7, "minute": 19}
